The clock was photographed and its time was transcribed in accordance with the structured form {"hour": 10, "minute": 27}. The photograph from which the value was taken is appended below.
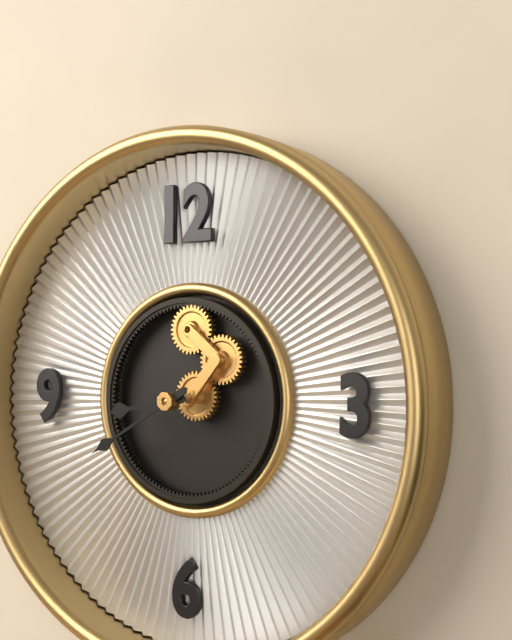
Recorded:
{"hour": 8, "minute": 40}
